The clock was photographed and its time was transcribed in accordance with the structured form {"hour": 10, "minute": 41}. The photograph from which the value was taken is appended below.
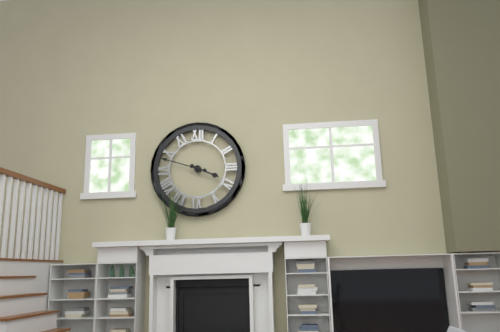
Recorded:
{"hour": 3, "minute": 48}
